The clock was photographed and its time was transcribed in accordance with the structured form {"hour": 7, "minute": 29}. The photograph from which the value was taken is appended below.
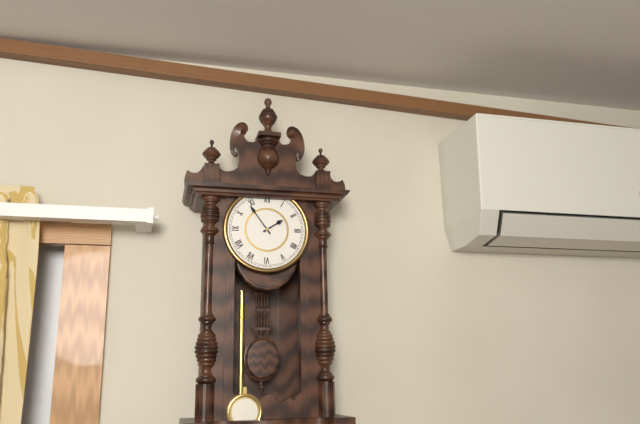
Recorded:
{"hour": 1, "minute": 54}
